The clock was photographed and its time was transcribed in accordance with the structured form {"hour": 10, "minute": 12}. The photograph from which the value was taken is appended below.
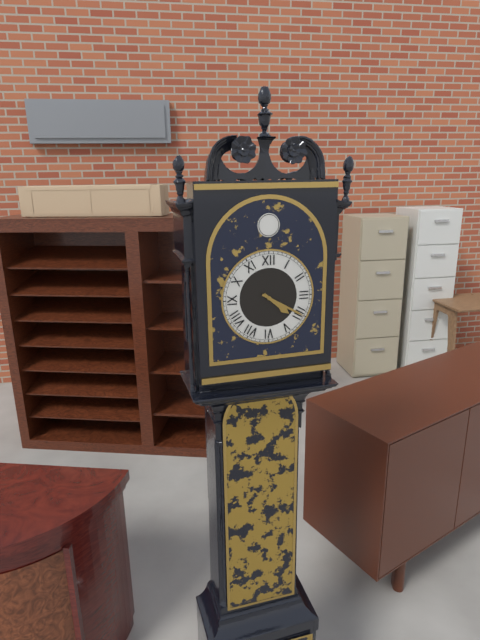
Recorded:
{"hour": 4, "minute": 20}
